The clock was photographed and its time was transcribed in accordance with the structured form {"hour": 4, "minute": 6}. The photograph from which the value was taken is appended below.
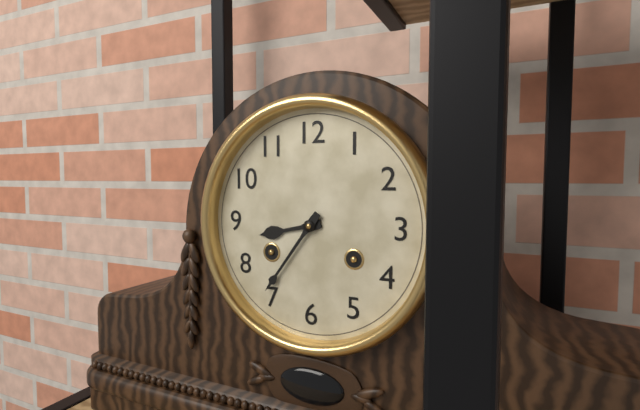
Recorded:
{"hour": 8, "minute": 36}
